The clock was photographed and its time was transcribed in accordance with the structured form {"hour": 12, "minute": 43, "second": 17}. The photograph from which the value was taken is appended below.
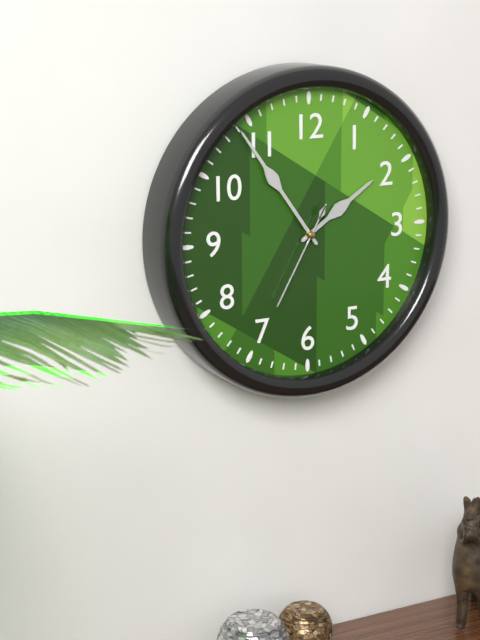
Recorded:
{"hour": 1, "minute": 54, "second": 35}
